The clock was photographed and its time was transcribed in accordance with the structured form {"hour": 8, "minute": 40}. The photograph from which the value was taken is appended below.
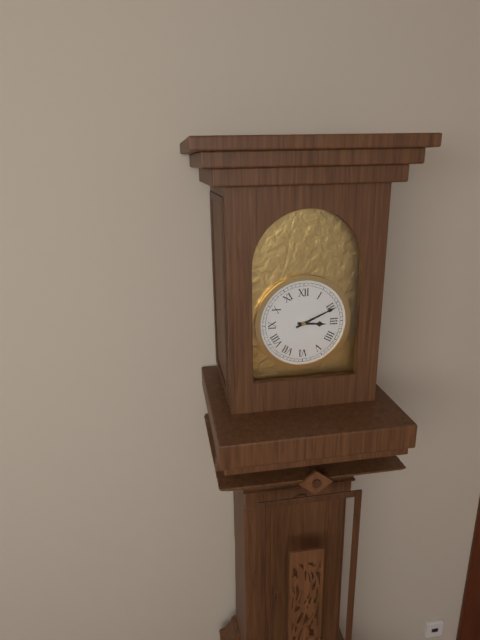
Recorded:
{"hour": 3, "minute": 11}
